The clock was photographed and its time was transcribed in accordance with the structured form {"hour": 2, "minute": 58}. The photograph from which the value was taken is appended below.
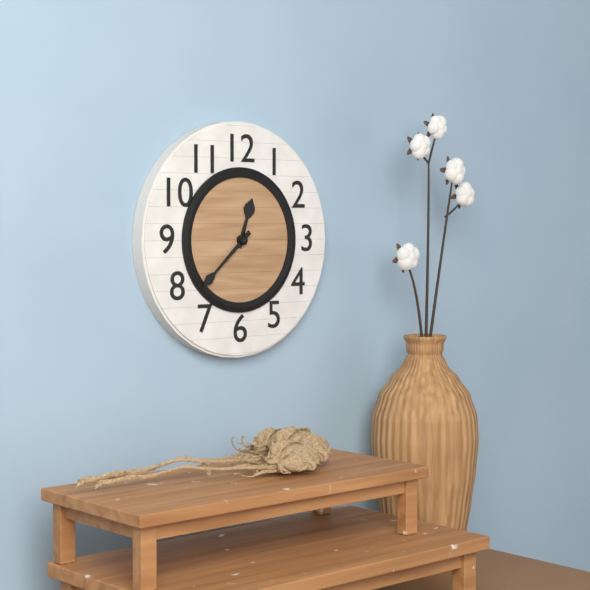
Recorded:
{"hour": 12, "minute": 38}
